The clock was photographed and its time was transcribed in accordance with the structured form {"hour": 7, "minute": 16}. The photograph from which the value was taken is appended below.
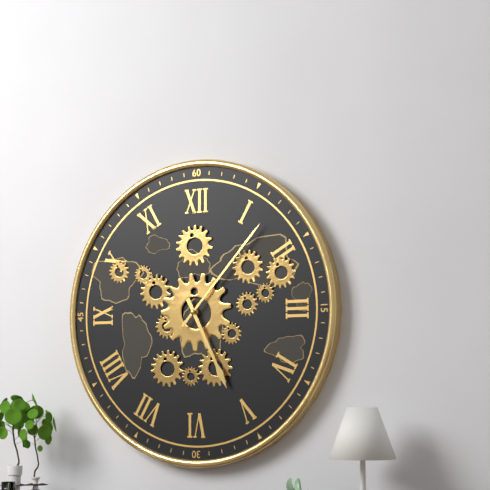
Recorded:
{"hour": 5, "minute": 7}
